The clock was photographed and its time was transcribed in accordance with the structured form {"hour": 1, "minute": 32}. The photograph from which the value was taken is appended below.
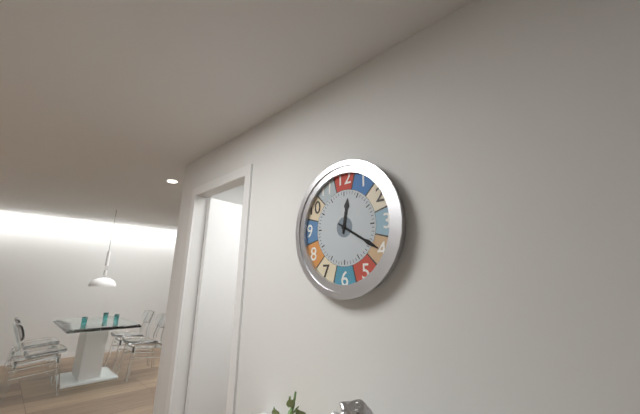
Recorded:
{"hour": 12, "minute": 20}
